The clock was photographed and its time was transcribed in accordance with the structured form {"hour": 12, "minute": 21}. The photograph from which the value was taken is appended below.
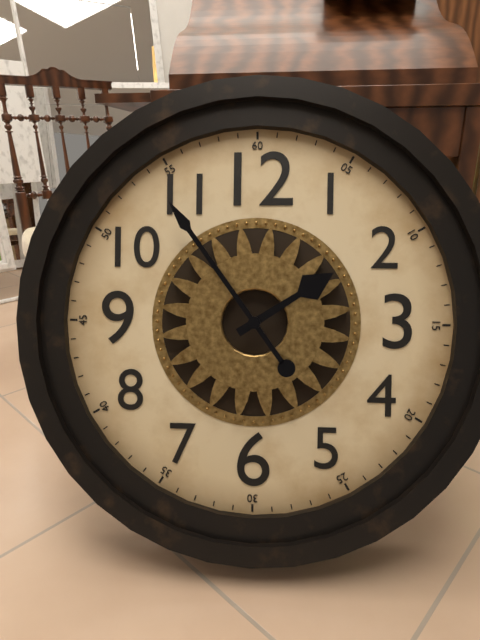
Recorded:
{"hour": 1, "minute": 54}
